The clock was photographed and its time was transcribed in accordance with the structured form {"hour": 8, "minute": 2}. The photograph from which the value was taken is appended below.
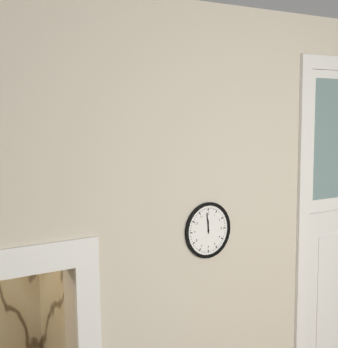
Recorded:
{"hour": 11, "minute": 59}
